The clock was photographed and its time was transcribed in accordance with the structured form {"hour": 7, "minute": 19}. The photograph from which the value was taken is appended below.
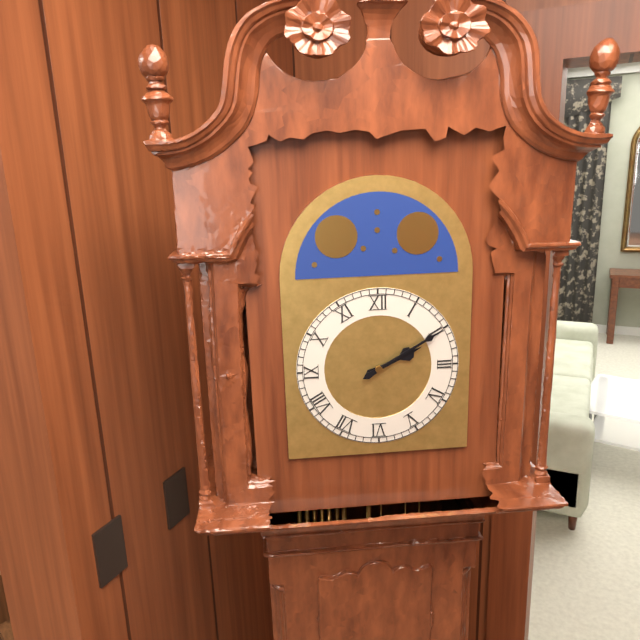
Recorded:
{"hour": 2, "minute": 10}
